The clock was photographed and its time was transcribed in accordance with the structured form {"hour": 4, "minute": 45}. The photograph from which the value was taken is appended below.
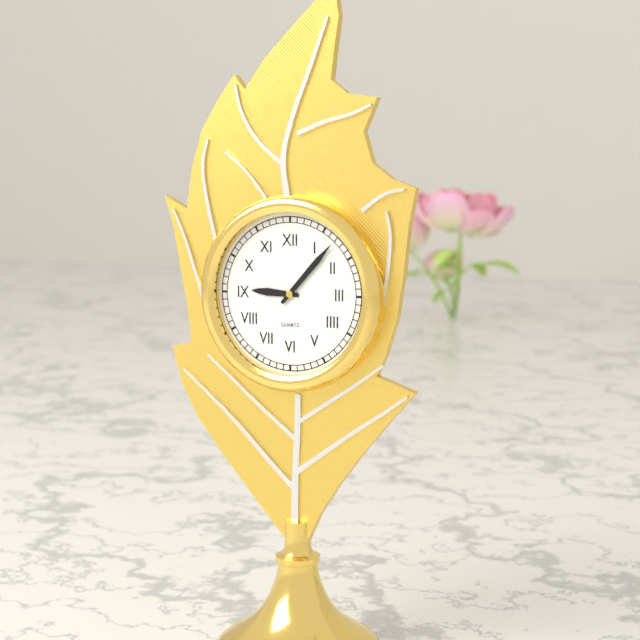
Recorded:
{"hour": 9, "minute": 7}
